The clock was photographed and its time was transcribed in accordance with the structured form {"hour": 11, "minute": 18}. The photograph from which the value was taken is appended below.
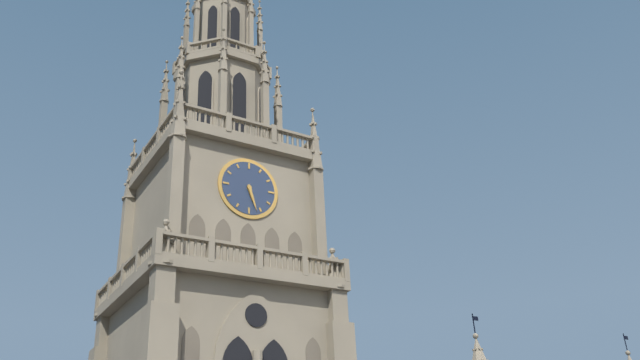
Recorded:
{"hour": 5, "minute": 27}
